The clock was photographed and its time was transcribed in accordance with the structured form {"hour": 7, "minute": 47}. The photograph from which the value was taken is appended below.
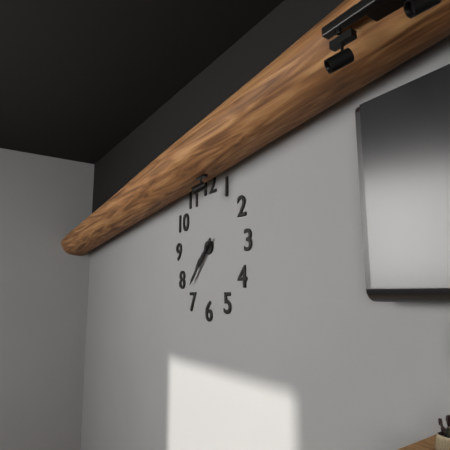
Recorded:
{"hour": 7, "minute": 37}
